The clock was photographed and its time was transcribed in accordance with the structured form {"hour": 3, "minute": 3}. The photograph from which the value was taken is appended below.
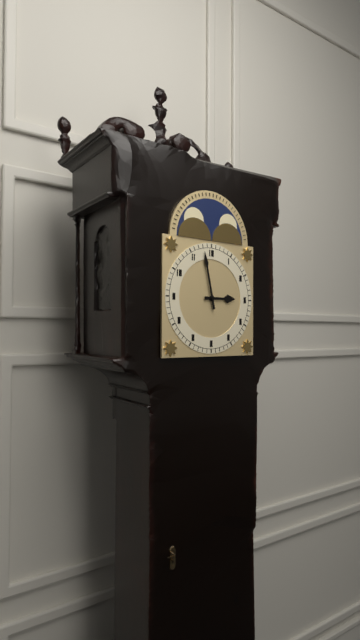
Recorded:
{"hour": 2, "minute": 58}
